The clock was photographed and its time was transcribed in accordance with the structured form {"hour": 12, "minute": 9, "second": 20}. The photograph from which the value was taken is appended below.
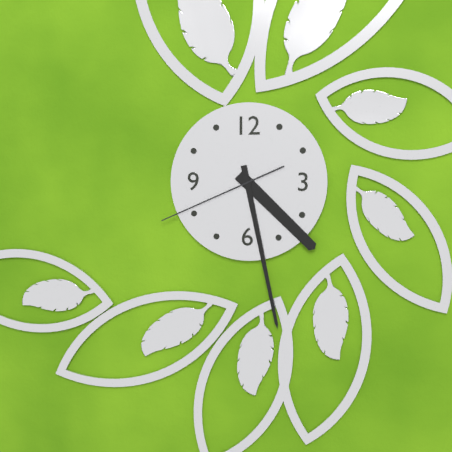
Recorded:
{"hour": 4, "minute": 28, "second": 41}
